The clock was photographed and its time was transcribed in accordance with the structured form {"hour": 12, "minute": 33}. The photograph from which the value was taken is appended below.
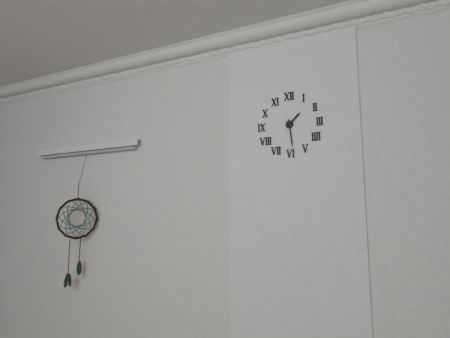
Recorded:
{"hour": 1, "minute": 29}
